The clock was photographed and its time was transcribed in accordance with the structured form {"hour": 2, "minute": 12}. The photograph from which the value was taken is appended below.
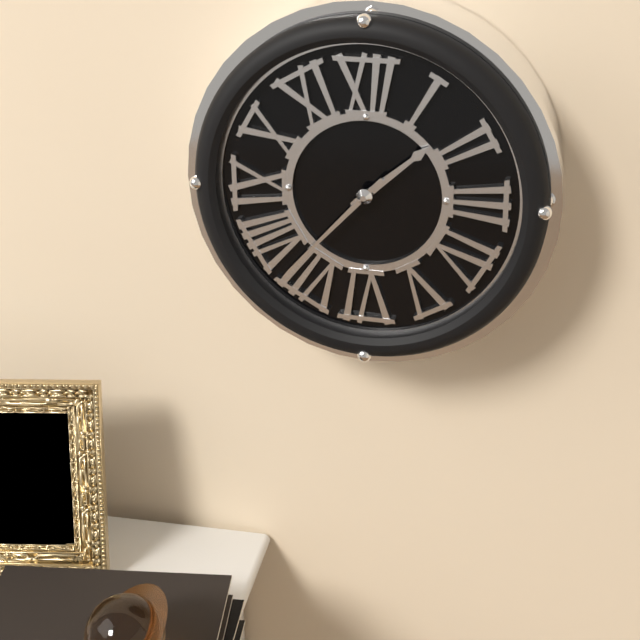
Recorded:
{"hour": 1, "minute": 37}
